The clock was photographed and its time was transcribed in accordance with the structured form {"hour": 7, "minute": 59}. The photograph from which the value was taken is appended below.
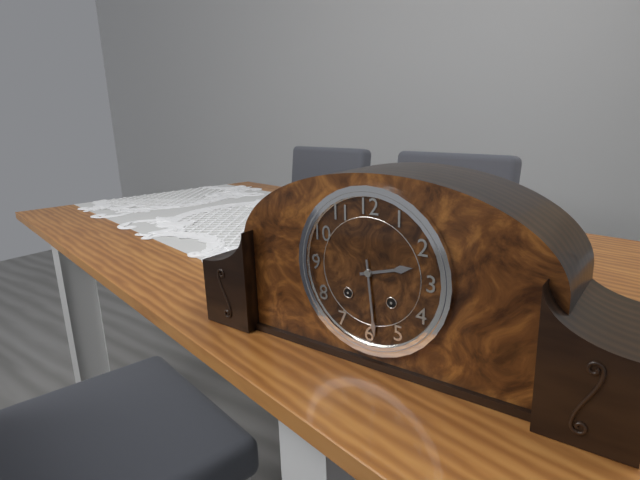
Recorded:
{"hour": 2, "minute": 29}
